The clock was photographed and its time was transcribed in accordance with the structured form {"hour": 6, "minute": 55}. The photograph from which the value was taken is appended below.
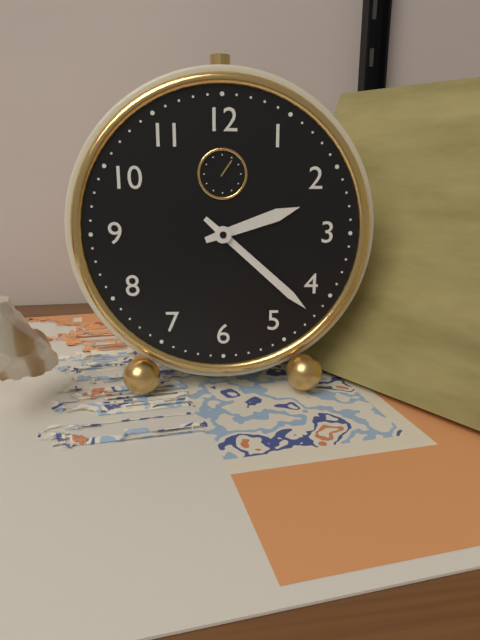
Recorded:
{"hour": 2, "minute": 22}
